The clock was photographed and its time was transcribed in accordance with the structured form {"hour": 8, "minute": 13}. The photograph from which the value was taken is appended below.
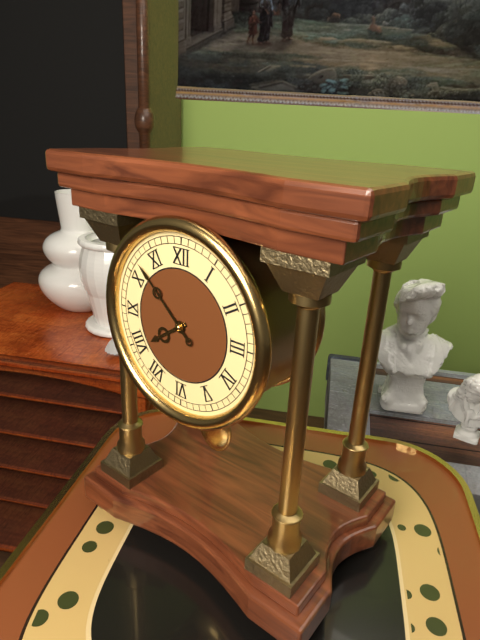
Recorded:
{"hour": 7, "minute": 52}
